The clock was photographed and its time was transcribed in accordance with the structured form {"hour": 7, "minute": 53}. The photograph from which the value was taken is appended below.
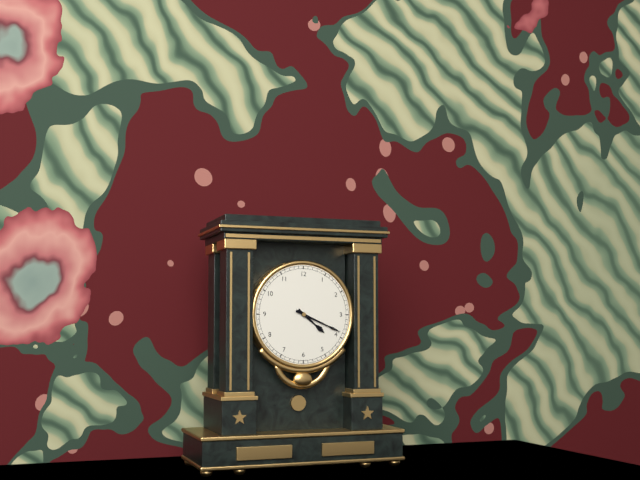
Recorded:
{"hour": 4, "minute": 19}
